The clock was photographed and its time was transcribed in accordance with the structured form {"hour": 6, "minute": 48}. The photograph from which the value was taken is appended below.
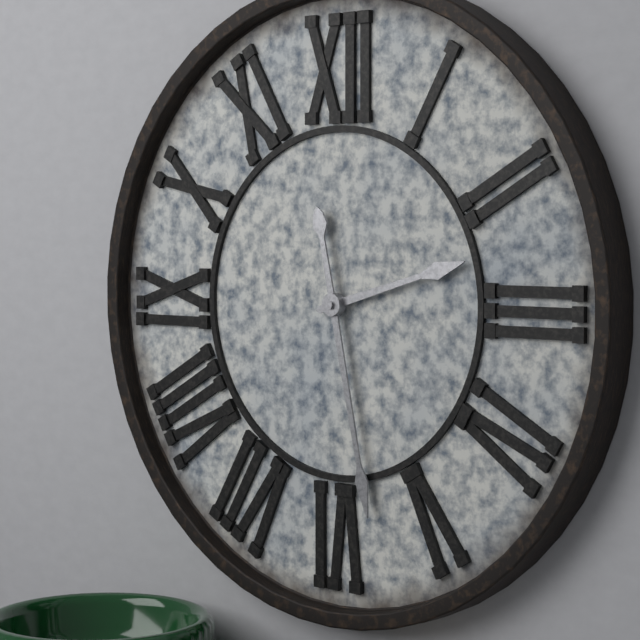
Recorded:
{"hour": 2, "minute": 28}
